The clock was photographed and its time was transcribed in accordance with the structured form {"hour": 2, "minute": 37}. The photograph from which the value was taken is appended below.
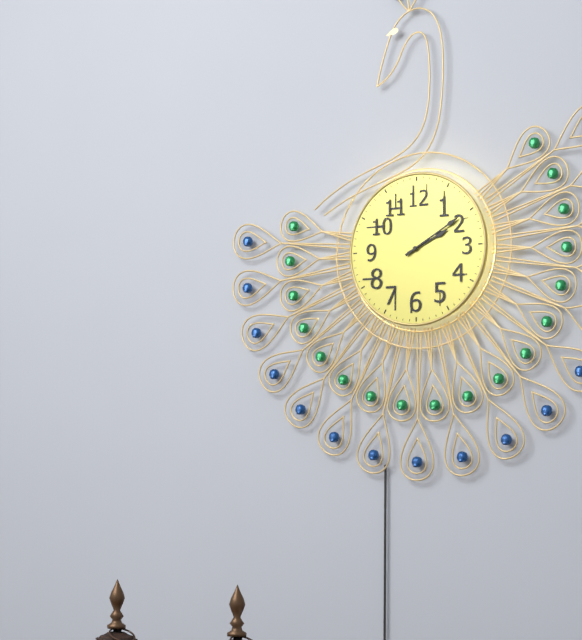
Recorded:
{"hour": 2, "minute": 10}
